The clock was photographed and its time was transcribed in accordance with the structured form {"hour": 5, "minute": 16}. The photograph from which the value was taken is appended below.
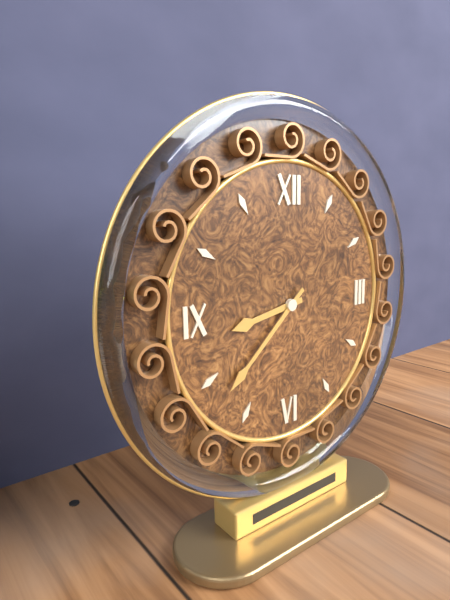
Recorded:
{"hour": 8, "minute": 38}
